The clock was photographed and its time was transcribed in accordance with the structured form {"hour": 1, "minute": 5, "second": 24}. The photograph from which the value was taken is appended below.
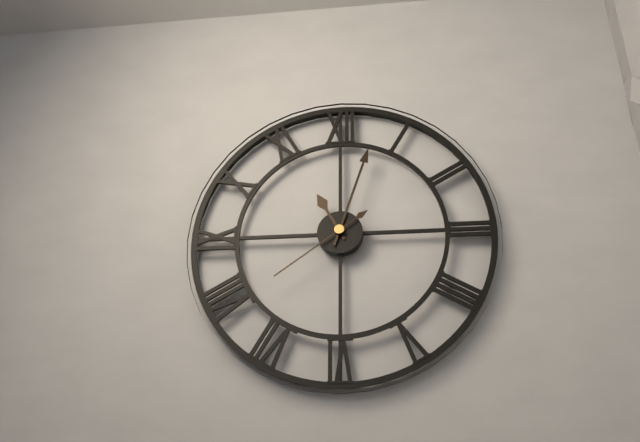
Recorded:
{"hour": 11, "minute": 3, "second": 39}
